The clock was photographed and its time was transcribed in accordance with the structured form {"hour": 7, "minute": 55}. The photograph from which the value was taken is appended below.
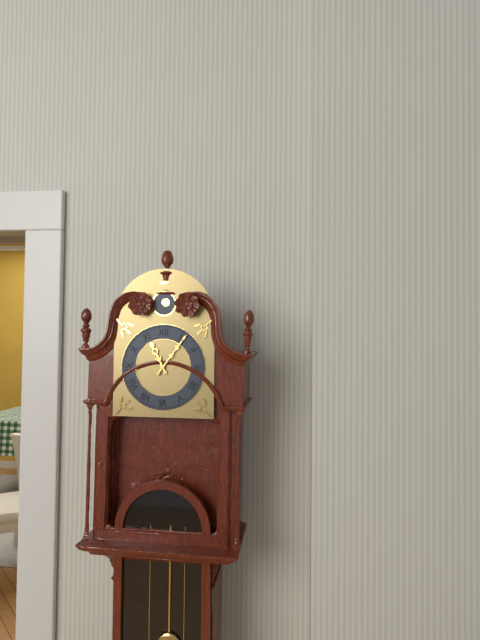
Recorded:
{"hour": 11, "minute": 6}
